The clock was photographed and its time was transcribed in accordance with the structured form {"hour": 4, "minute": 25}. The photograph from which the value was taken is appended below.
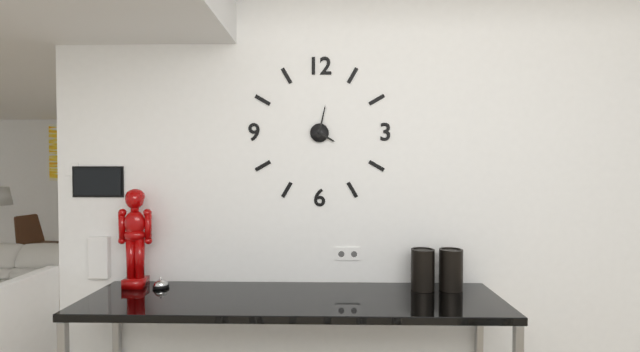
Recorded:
{"hour": 4, "minute": 2}
